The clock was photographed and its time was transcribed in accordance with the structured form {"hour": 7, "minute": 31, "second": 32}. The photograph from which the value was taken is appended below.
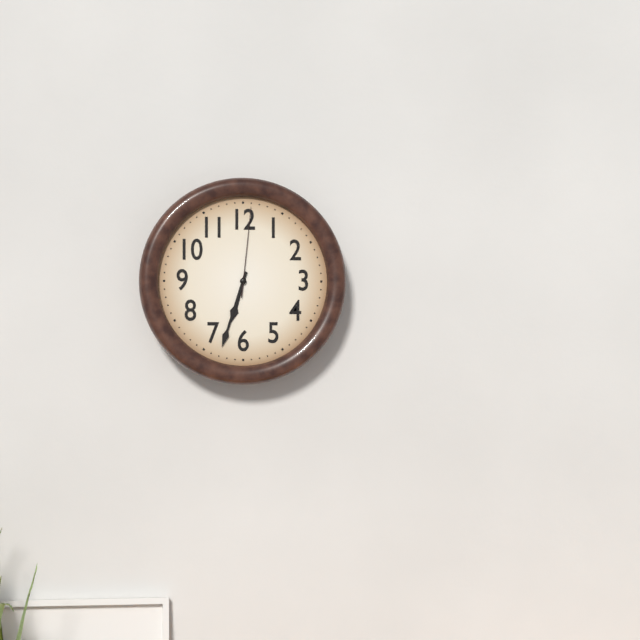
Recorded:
{"hour": 6, "minute": 33, "second": 1}
